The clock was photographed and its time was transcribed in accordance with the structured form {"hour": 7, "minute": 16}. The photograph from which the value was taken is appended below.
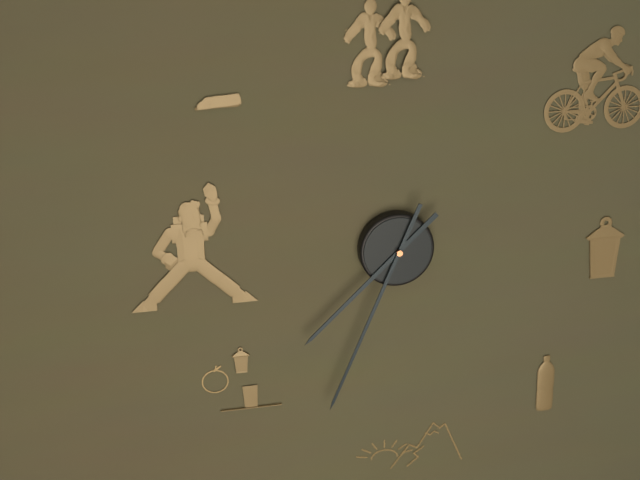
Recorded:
{"hour": 7, "minute": 34}
